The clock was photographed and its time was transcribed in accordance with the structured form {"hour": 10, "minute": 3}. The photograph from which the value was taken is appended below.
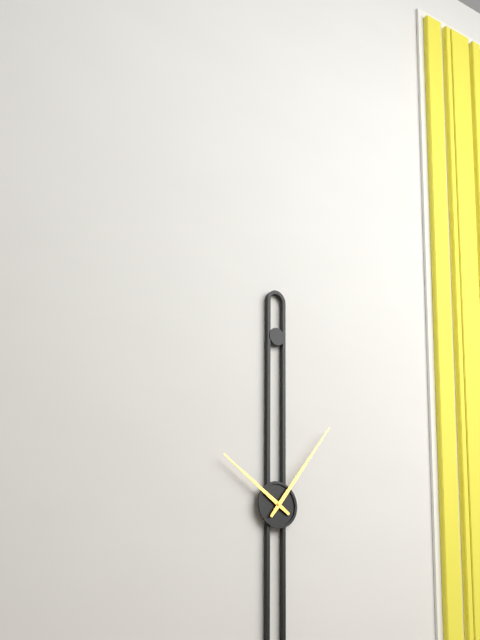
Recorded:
{"hour": 10, "minute": 6}
